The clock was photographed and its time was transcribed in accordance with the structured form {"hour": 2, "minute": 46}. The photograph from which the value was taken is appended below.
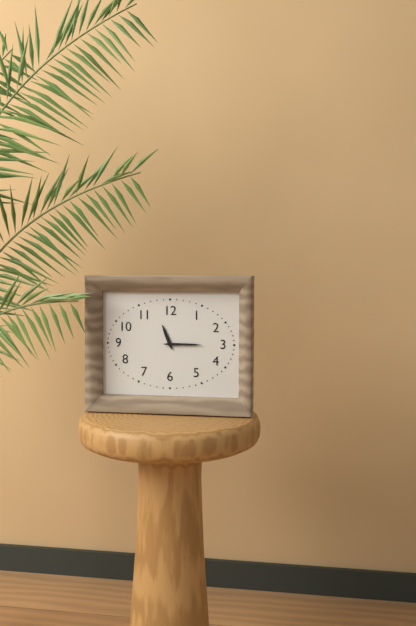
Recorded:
{"hour": 11, "minute": 15}
